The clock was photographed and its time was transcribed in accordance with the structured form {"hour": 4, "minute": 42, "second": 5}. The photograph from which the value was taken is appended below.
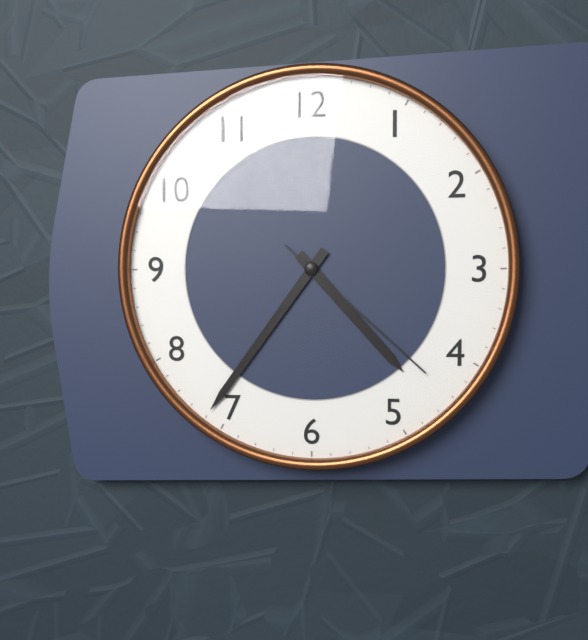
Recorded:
{"hour": 4, "minute": 36, "second": 22}
